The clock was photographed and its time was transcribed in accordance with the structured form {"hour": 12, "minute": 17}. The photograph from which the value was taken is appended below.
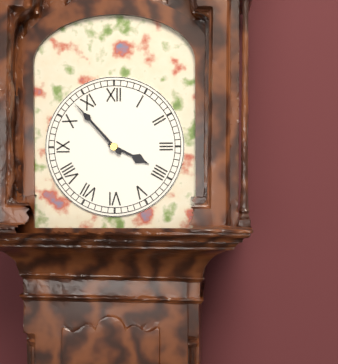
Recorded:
{"hour": 3, "minute": 53}
